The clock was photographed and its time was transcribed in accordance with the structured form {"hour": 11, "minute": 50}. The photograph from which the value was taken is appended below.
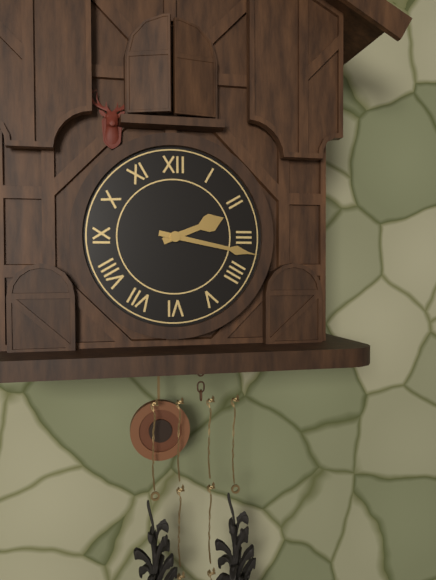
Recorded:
{"hour": 2, "minute": 17}
